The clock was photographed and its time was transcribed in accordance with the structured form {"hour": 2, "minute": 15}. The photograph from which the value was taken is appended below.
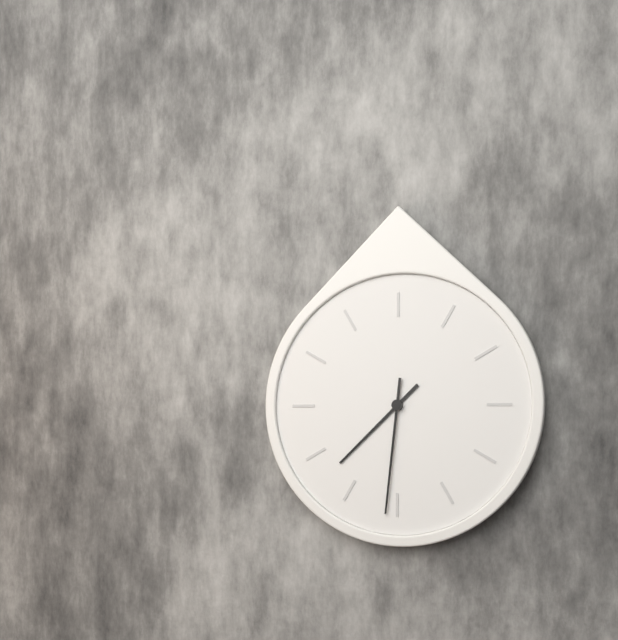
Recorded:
{"hour": 7, "minute": 31}
